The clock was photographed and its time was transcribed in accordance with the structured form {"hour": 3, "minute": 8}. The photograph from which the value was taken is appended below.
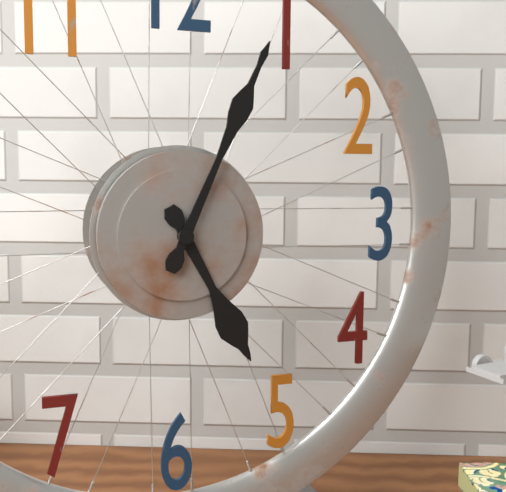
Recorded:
{"hour": 5, "minute": 4}
